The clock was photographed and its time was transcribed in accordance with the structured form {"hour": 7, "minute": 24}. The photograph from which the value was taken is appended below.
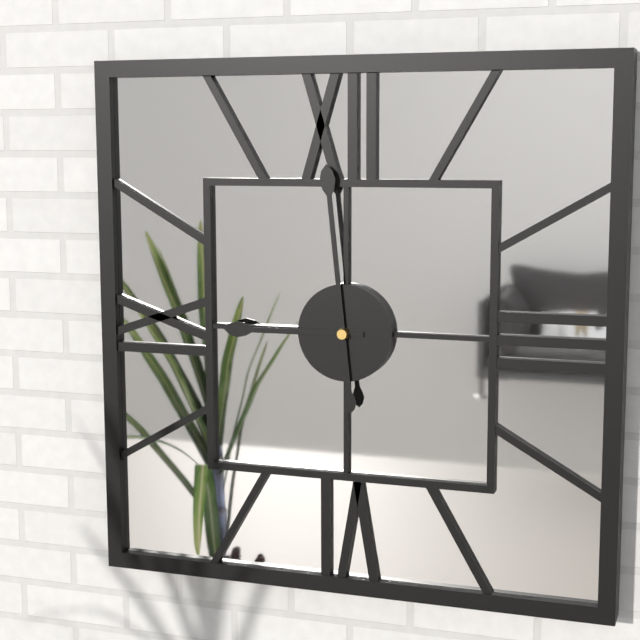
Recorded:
{"hour": 8, "minute": 59}
